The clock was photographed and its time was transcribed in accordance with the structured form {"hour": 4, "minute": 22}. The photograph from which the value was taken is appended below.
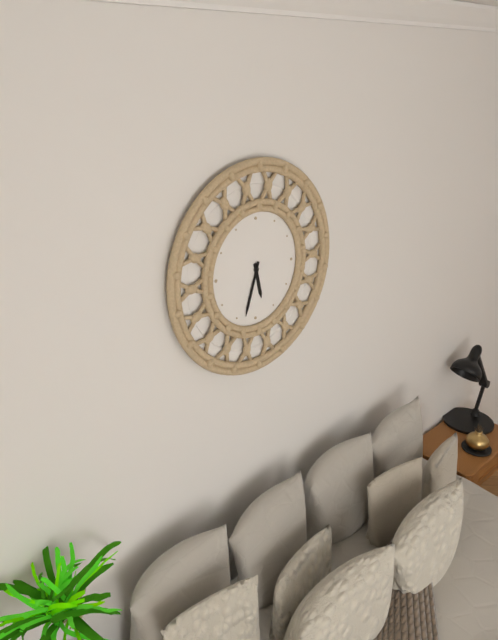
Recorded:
{"hour": 5, "minute": 33}
